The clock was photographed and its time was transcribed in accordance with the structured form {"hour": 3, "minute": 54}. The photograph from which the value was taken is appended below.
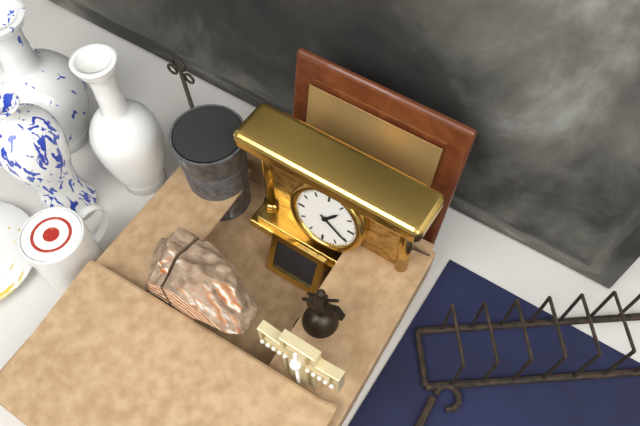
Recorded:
{"hour": 1, "minute": 20}
